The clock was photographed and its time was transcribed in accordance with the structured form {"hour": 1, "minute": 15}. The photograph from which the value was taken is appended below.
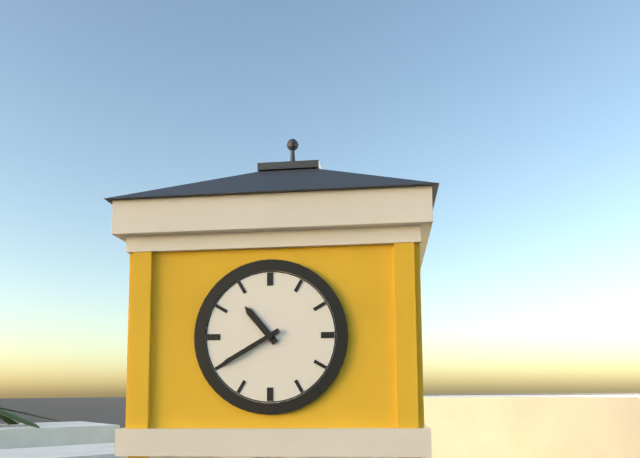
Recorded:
{"hour": 10, "minute": 40}
